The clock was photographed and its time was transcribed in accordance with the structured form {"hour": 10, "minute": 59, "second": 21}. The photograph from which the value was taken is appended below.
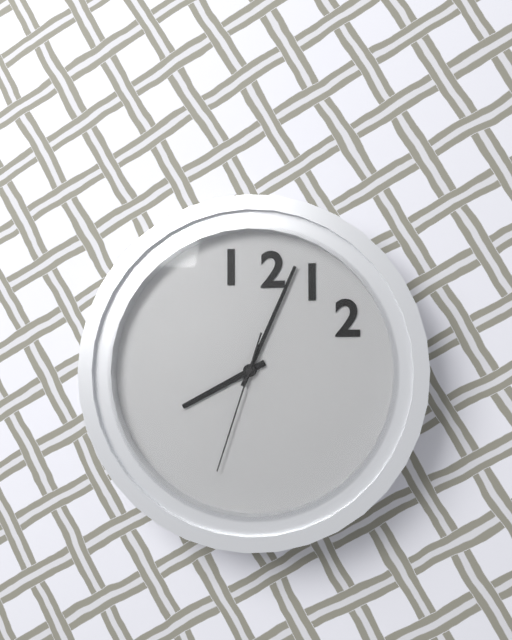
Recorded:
{"hour": 8, "minute": 4, "second": 33}
